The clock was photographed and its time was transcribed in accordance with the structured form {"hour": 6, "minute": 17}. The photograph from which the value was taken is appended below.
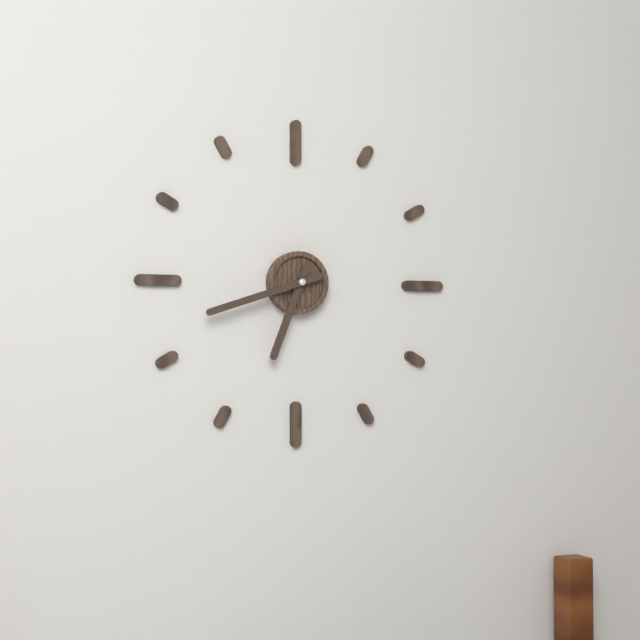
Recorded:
{"hour": 6, "minute": 42}
